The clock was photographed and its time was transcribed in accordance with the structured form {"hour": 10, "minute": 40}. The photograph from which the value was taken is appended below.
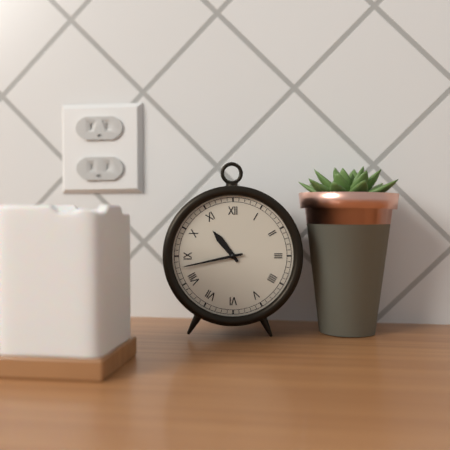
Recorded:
{"hour": 10, "minute": 43}
